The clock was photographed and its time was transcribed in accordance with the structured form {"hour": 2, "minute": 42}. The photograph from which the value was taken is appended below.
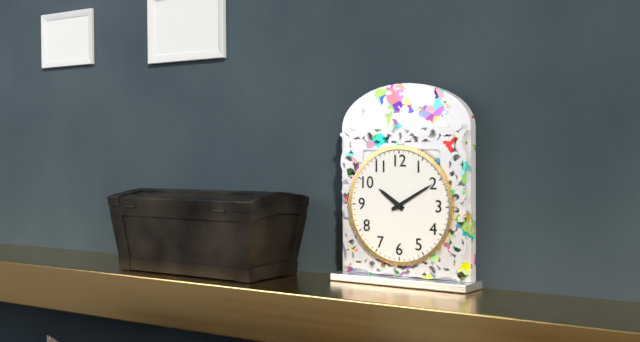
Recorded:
{"hour": 10, "minute": 10}
